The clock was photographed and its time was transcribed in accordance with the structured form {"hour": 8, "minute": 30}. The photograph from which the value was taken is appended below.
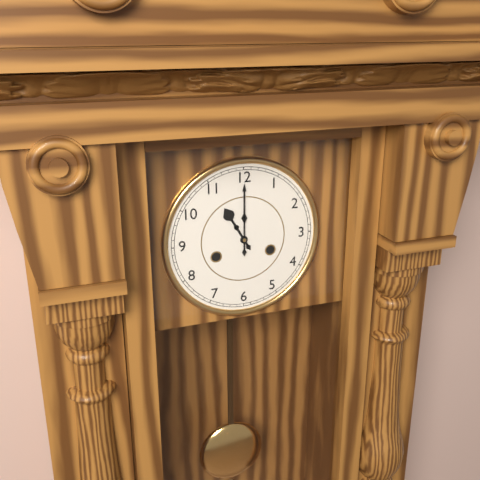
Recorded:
{"hour": 11, "minute": 0}
